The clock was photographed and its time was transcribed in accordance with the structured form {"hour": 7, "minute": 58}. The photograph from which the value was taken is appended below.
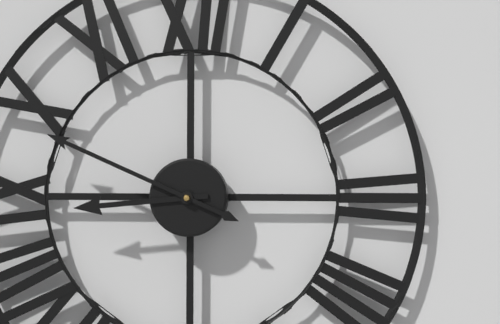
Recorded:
{"hour": 8, "minute": 49}
